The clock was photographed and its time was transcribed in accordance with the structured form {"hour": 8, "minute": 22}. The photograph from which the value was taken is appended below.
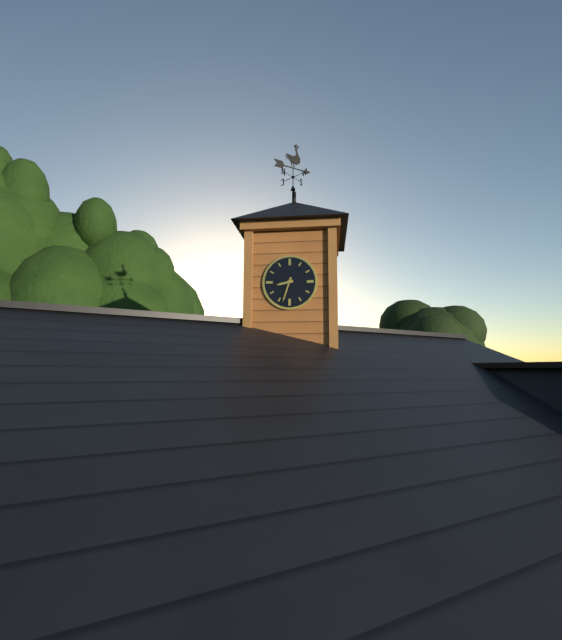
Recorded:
{"hour": 8, "minute": 33}
